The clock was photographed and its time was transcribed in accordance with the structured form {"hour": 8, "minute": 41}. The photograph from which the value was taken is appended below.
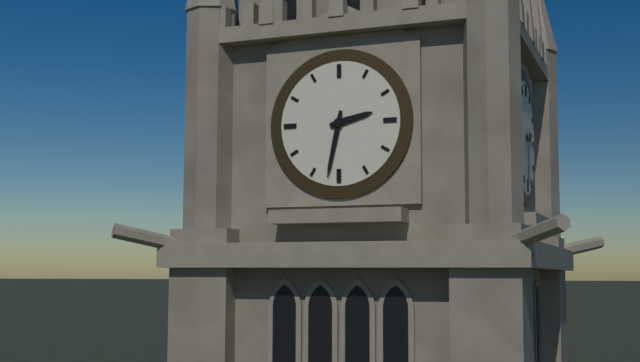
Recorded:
{"hour": 2, "minute": 32}
